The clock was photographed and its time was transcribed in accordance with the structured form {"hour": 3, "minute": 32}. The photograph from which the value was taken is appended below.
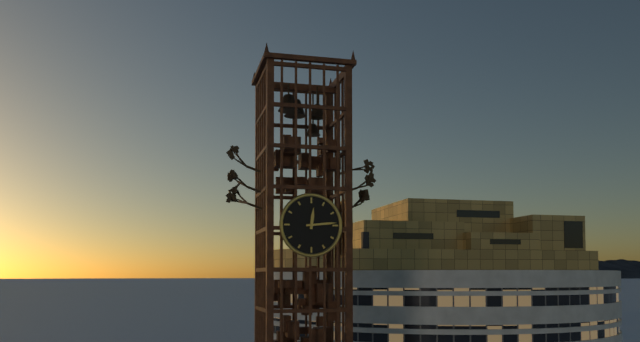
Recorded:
{"hour": 12, "minute": 14}
